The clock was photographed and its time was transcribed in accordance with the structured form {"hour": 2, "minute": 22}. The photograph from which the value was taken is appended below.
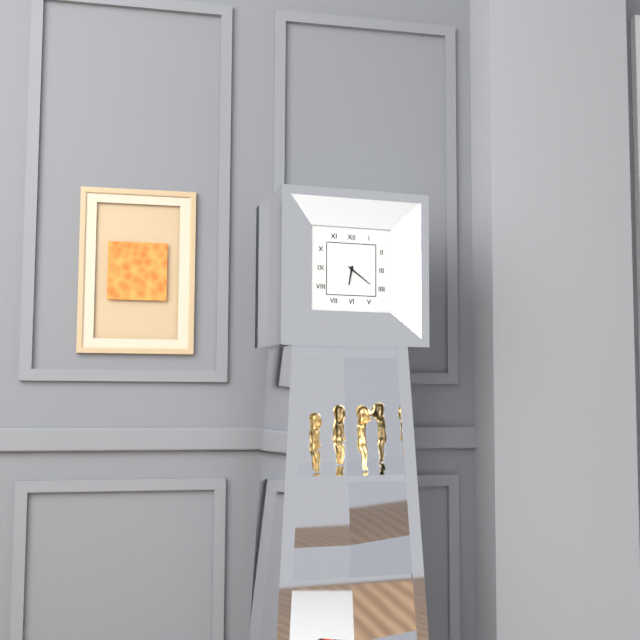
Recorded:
{"hour": 6, "minute": 21}
